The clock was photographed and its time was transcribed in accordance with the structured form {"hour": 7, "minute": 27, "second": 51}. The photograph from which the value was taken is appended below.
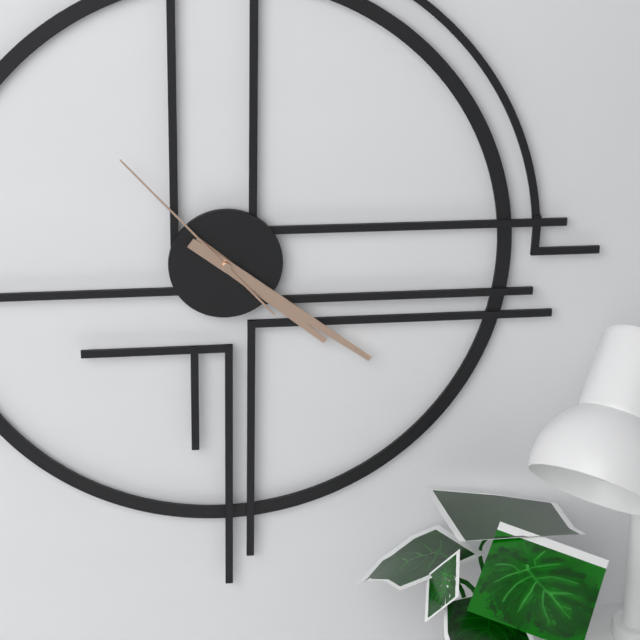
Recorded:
{"hour": 4, "minute": 21, "second": 53}
